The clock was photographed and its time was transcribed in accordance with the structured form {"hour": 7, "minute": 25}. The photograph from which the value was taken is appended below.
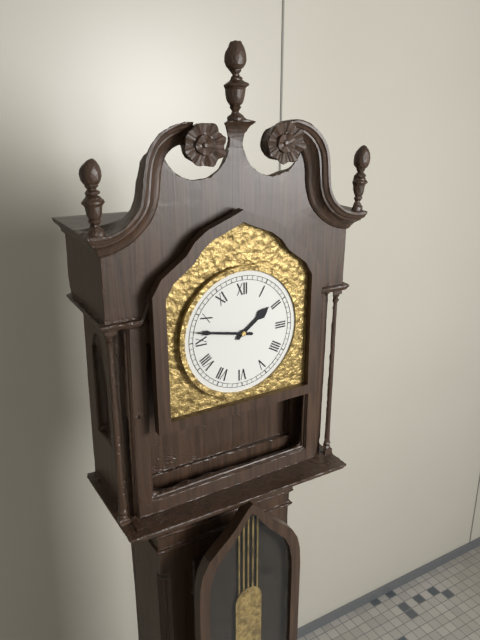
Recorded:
{"hour": 1, "minute": 47}
